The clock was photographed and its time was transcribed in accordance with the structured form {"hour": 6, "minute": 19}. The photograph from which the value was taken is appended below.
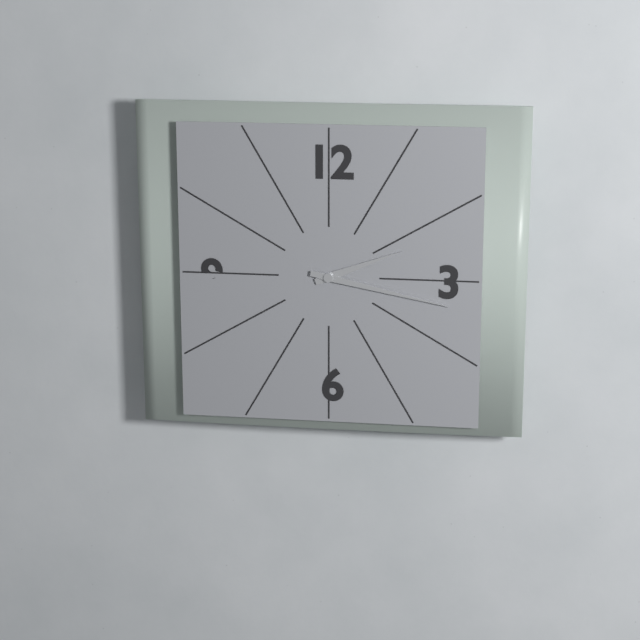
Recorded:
{"hour": 2, "minute": 17}
